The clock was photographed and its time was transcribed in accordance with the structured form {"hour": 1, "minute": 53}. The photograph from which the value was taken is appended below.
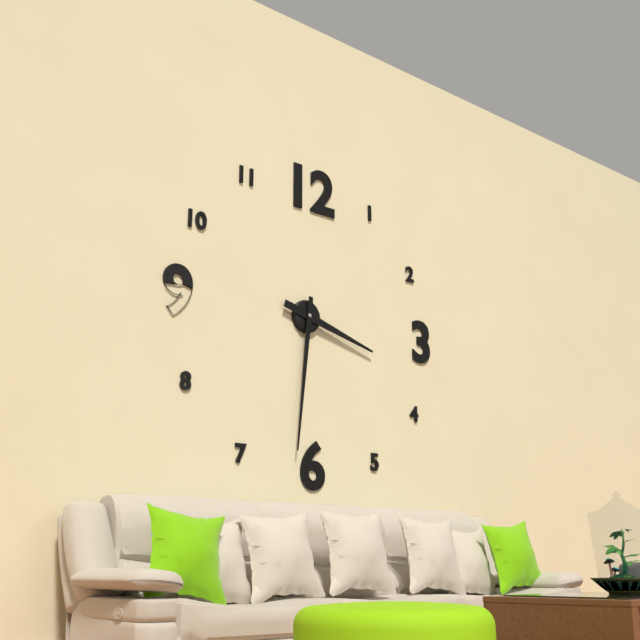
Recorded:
{"hour": 3, "minute": 31}
